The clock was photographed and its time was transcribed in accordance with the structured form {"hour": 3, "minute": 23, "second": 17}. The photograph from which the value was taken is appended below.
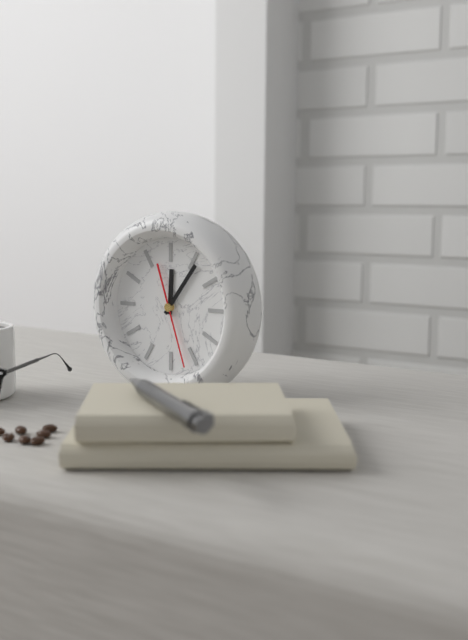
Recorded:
{"hour": 12, "minute": 6, "second": 27}
